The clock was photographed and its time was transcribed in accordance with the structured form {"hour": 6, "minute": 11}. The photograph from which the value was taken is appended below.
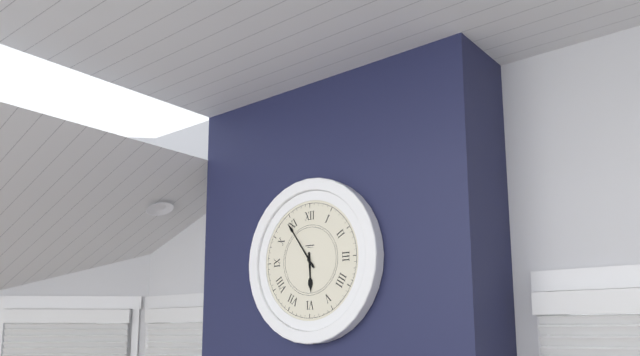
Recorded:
{"hour": 5, "minute": 54}
